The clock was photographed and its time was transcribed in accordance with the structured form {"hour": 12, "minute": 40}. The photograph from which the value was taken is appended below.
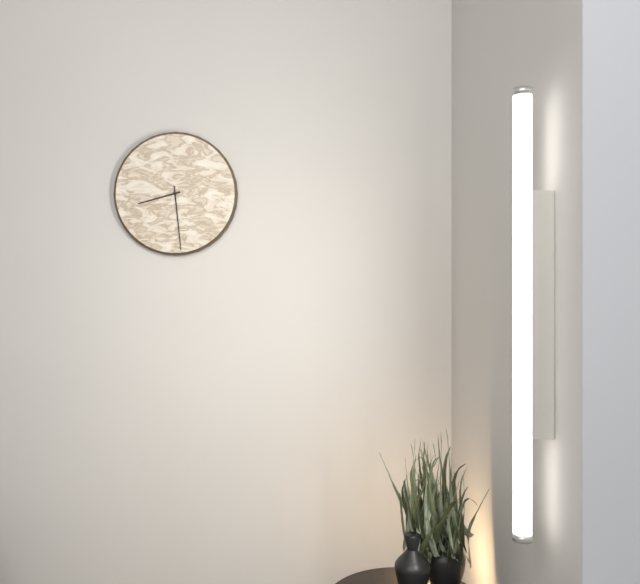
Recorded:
{"hour": 8, "minute": 29}
